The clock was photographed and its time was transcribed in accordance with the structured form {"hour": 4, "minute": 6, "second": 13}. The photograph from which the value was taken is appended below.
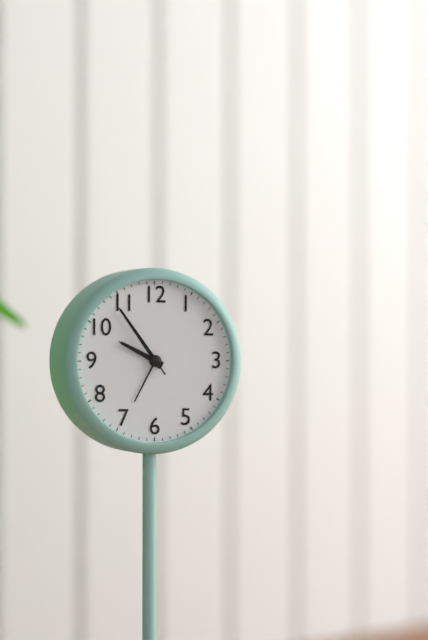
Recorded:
{"hour": 9, "minute": 54, "second": 54}
